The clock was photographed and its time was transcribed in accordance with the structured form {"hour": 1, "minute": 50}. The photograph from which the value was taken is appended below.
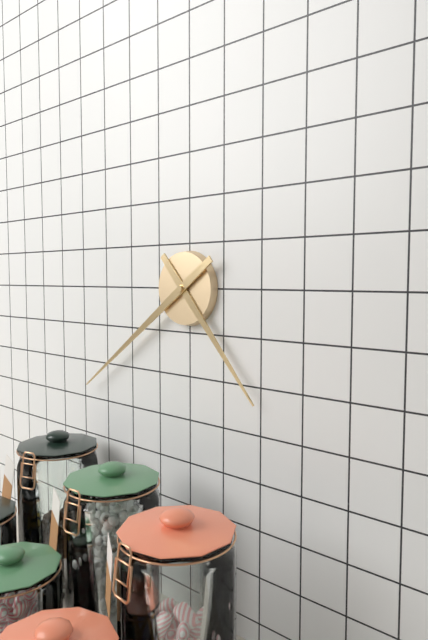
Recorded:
{"hour": 4, "minute": 39}
